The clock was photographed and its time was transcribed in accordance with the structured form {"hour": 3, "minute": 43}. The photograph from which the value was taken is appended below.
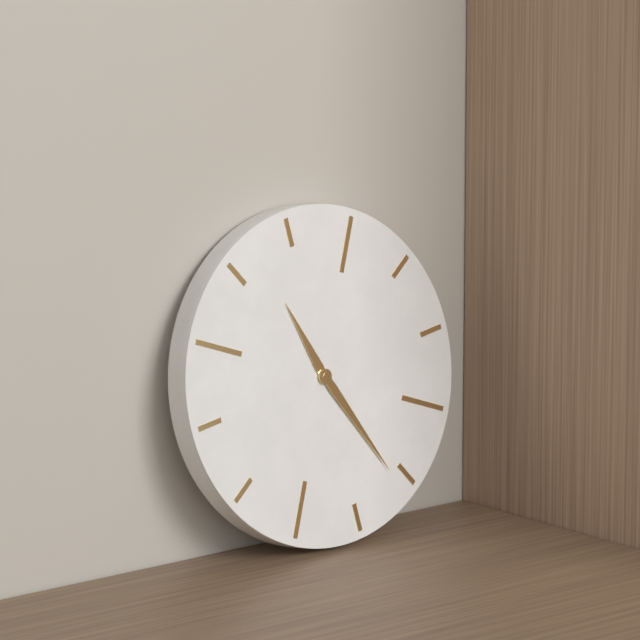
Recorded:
{"hour": 11, "minute": 26}
